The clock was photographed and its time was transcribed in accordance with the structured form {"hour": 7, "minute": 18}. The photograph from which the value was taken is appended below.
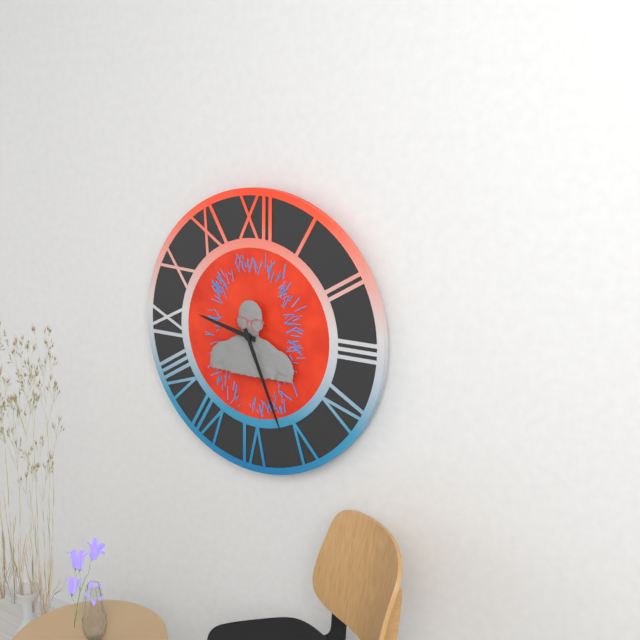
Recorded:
{"hour": 9, "minute": 26}
